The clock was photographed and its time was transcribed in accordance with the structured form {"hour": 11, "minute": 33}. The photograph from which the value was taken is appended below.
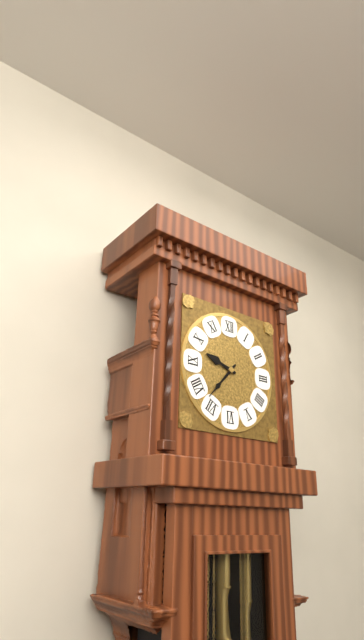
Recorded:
{"hour": 9, "minute": 37}
